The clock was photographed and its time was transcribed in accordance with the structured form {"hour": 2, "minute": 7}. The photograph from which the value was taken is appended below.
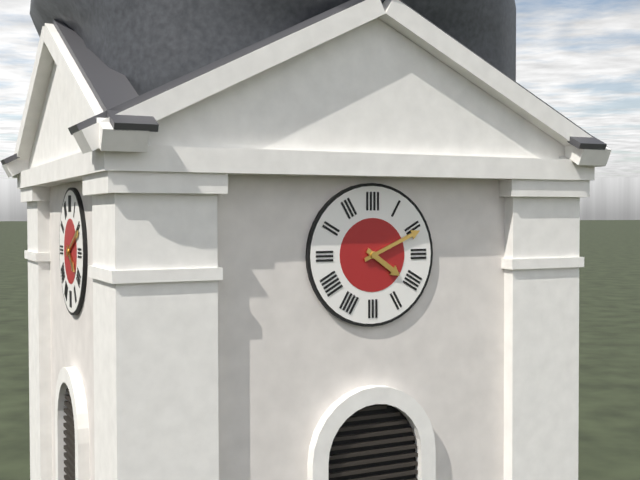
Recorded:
{"hour": 4, "minute": 11}
